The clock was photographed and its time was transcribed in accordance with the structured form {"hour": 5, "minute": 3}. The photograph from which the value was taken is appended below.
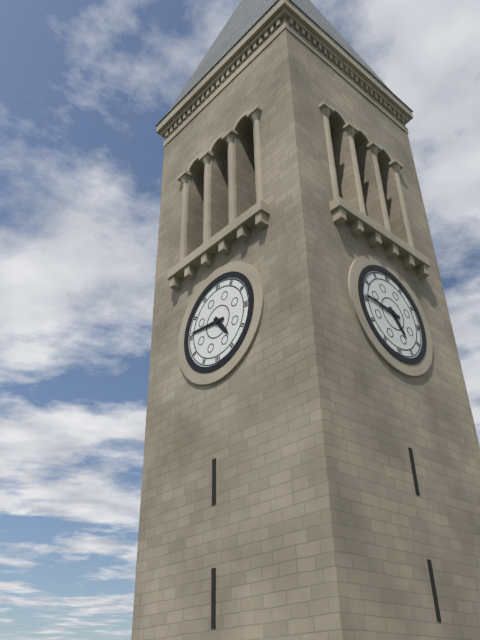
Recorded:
{"hour": 4, "minute": 46}
